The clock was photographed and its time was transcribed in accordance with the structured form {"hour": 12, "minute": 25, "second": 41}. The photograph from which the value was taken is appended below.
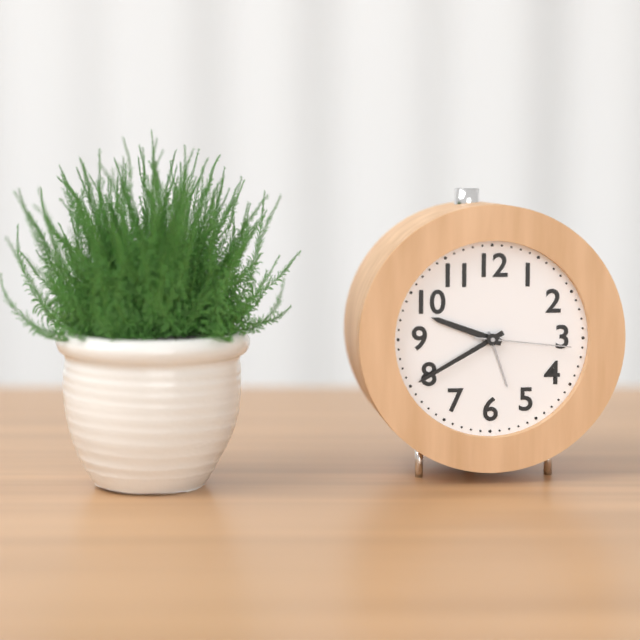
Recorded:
{"hour": 9, "minute": 40, "second": 16}
